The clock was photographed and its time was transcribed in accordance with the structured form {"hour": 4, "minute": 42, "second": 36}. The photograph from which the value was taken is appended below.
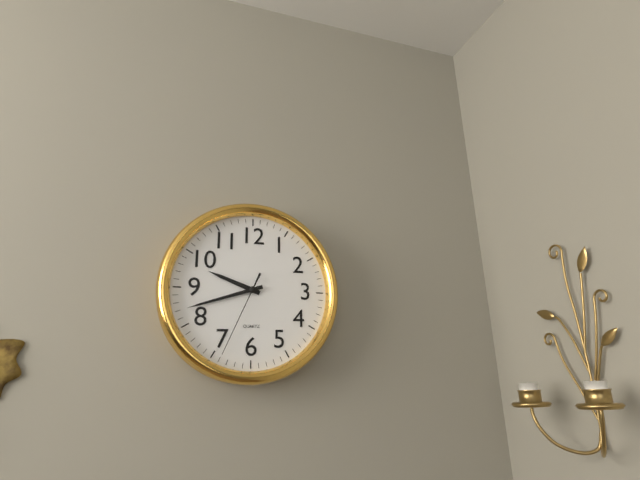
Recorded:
{"hour": 9, "minute": 42, "second": 34}
